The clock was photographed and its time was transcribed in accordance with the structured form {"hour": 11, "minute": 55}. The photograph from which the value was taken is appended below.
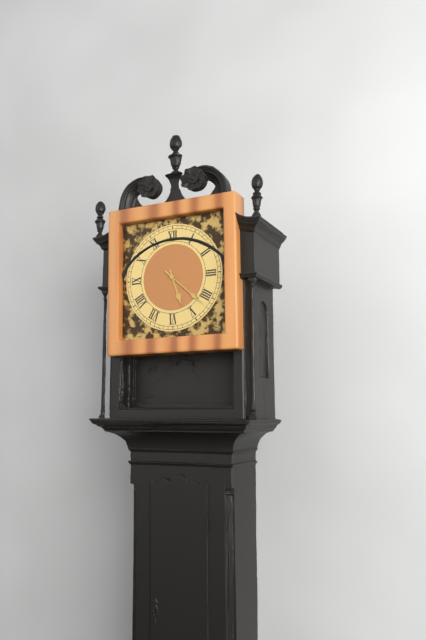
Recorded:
{"hour": 5, "minute": 22}
